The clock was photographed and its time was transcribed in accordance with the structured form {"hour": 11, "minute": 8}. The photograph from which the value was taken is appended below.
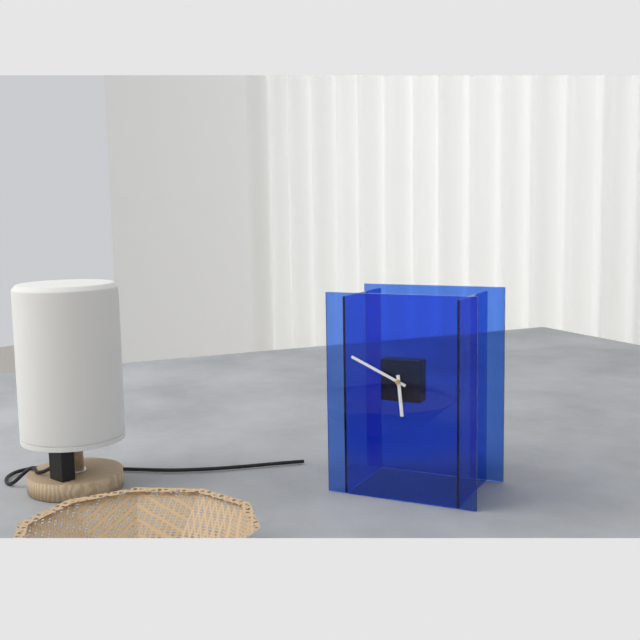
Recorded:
{"hour": 5, "minute": 49}
